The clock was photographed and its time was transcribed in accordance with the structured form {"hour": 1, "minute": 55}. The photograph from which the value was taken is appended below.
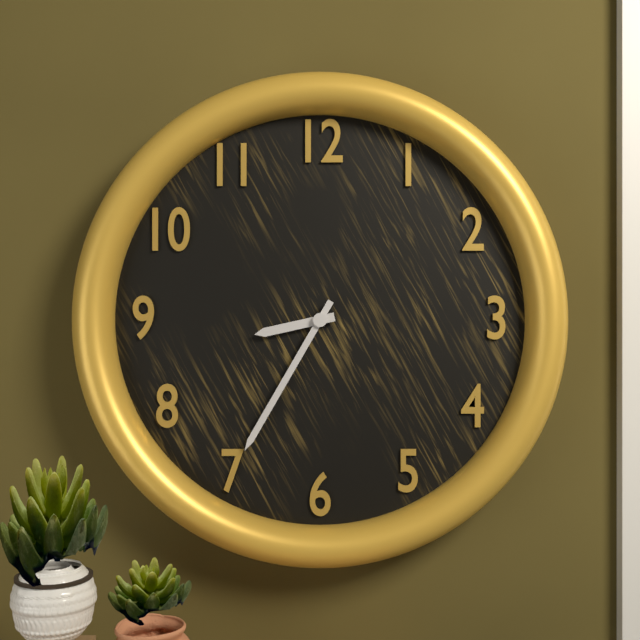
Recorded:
{"hour": 8, "minute": 35}
